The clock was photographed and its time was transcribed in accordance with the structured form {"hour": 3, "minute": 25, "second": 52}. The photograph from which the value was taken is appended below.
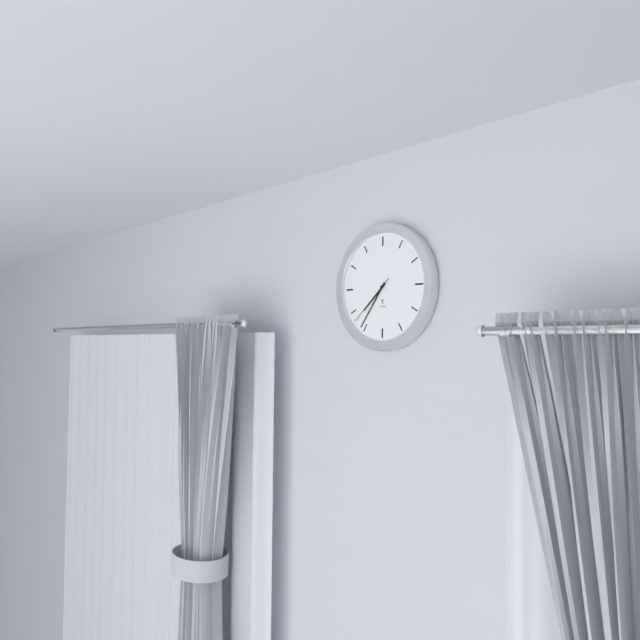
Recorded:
{"hour": 7, "minute": 36, "second": 38}
